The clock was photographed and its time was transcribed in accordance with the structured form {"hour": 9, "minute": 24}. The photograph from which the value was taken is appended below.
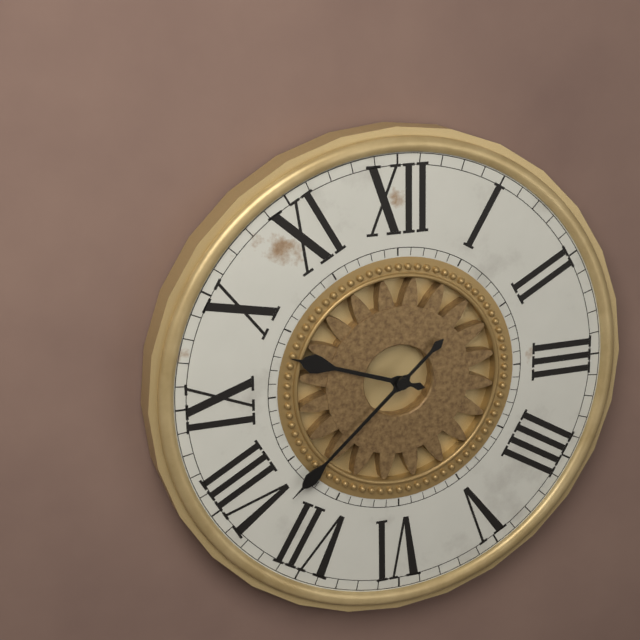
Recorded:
{"hour": 9, "minute": 38}
